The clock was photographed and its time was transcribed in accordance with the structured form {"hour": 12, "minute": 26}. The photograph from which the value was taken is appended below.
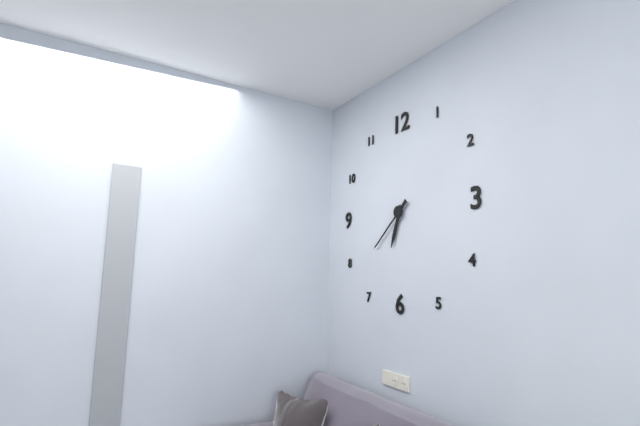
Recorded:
{"hour": 6, "minute": 38}
